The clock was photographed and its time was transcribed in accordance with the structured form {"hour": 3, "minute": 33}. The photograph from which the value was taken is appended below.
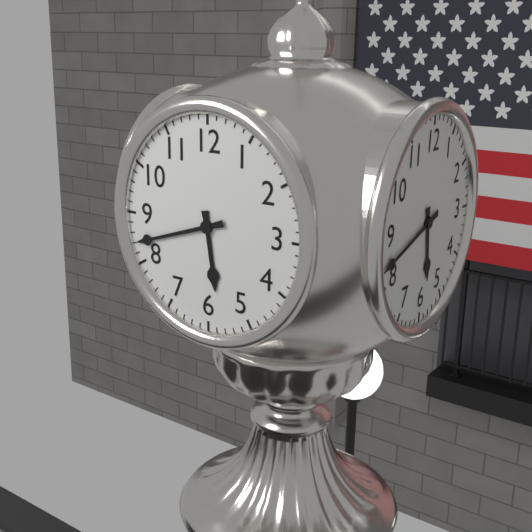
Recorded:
{"hour": 5, "minute": 42}
